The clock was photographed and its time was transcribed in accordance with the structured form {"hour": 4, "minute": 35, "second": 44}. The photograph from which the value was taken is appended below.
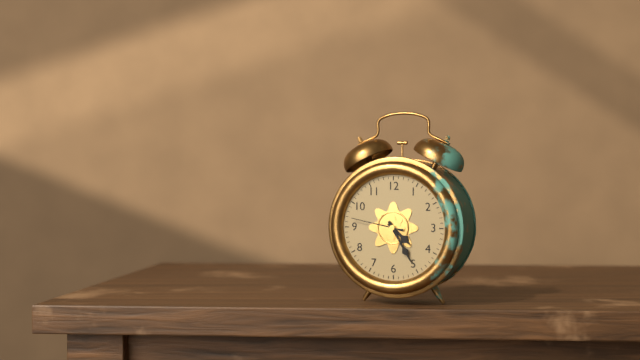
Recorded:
{"hour": 4, "minute": 25, "second": 47}
